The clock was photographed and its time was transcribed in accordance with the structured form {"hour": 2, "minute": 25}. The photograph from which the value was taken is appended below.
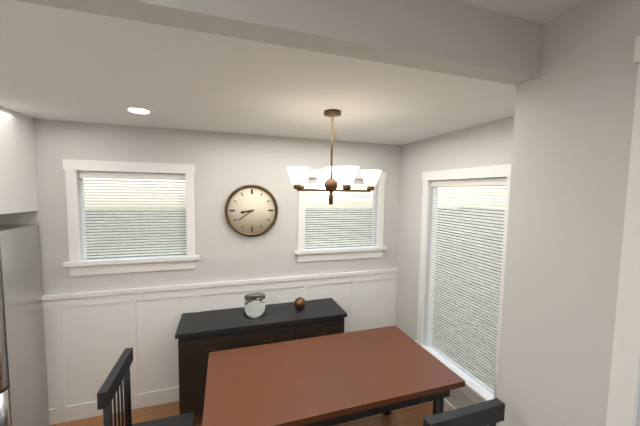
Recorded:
{"hour": 8, "minute": 39}
